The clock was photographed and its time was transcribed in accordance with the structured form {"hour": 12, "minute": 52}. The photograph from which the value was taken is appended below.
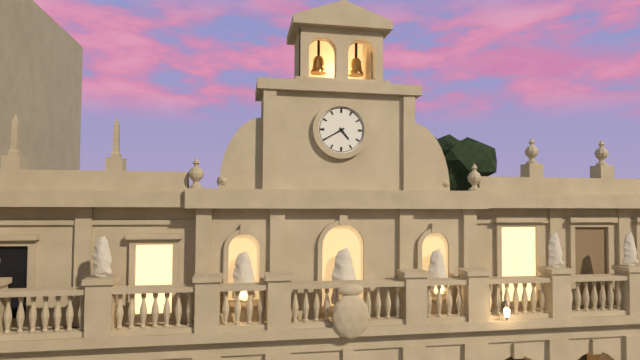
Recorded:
{"hour": 4, "minute": 40}
